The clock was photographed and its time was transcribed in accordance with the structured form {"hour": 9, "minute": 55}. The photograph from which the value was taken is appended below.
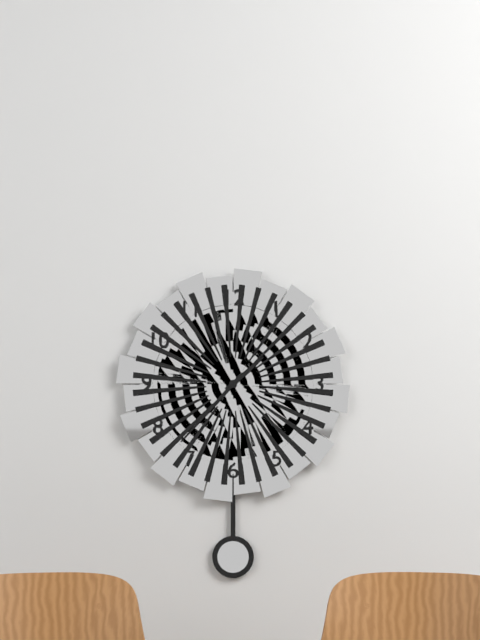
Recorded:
{"hour": 1, "minute": 37}
